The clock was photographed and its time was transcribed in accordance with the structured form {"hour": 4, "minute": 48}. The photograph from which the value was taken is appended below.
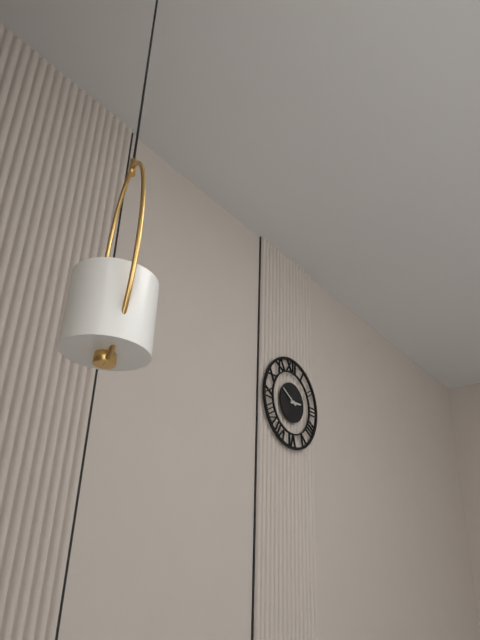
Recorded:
{"hour": 2, "minute": 50}
